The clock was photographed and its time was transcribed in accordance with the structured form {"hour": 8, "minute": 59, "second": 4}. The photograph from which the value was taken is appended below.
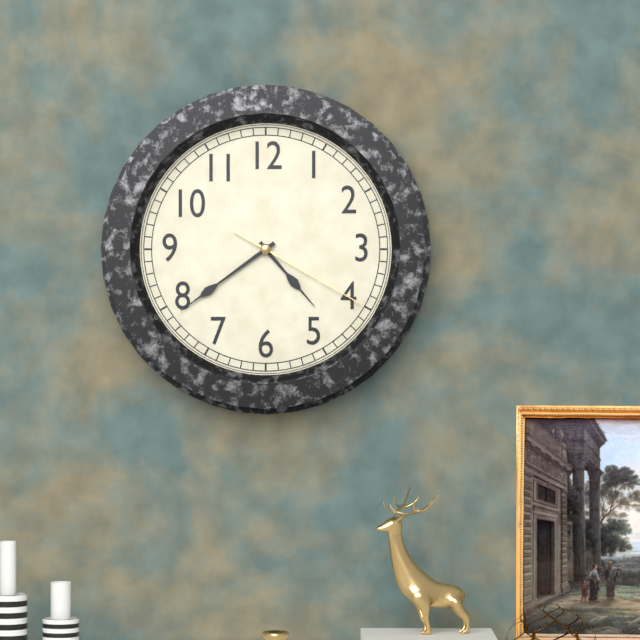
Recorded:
{"hour": 4, "minute": 39, "second": 20}
